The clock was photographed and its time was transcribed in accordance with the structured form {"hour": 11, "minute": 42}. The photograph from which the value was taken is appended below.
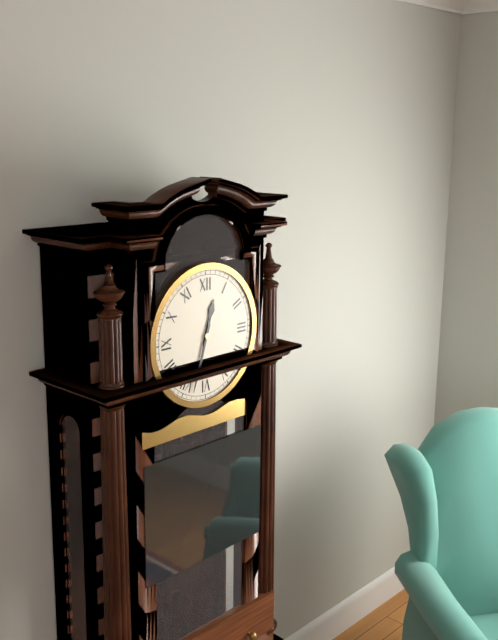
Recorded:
{"hour": 12, "minute": 33}
